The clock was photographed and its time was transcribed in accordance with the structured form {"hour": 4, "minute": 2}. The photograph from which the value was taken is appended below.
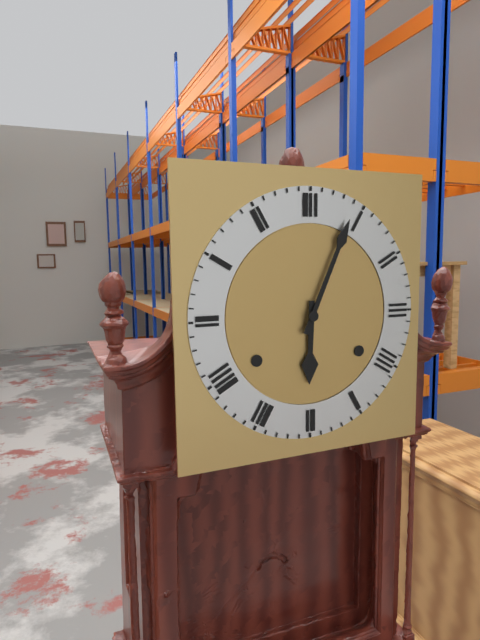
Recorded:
{"hour": 6, "minute": 4}
